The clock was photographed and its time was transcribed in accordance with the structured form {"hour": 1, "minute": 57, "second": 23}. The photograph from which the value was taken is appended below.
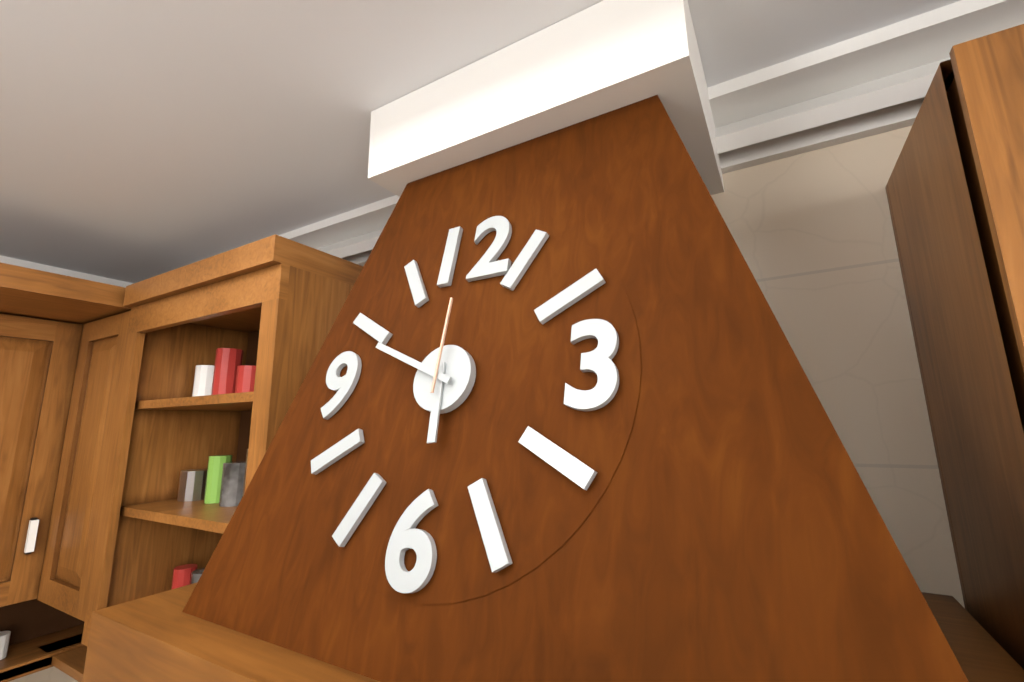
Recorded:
{"hour": 5, "minute": 49, "second": 0}
